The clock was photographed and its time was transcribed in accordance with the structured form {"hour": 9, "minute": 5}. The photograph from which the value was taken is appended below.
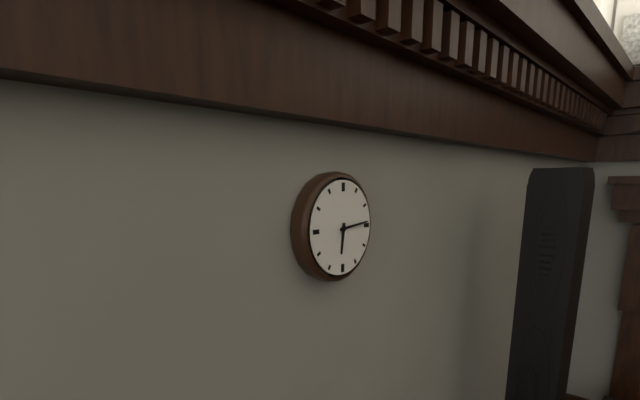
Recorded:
{"hour": 6, "minute": 14}
